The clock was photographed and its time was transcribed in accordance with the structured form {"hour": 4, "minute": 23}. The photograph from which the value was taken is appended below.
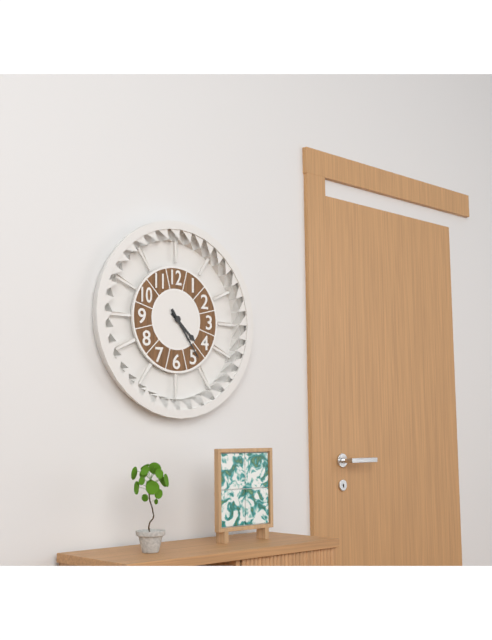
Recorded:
{"hour": 4, "minute": 24}
